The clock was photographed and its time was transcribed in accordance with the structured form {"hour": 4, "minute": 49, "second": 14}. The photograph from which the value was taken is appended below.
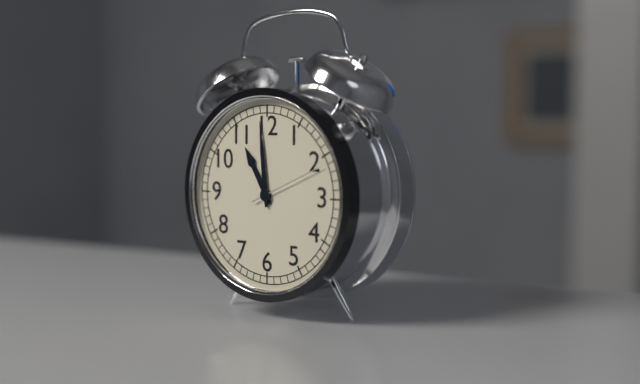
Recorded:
{"hour": 10, "minute": 59, "second": 11}
